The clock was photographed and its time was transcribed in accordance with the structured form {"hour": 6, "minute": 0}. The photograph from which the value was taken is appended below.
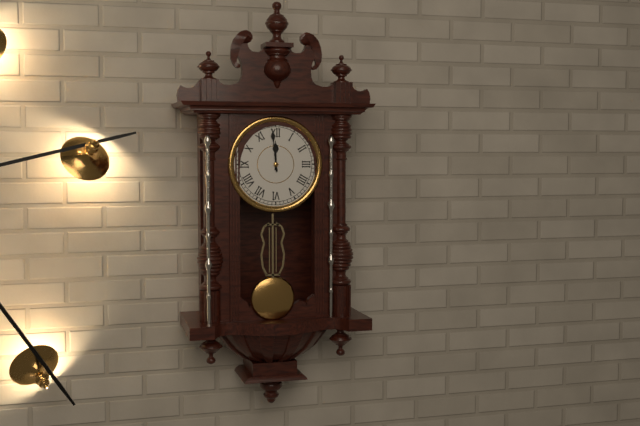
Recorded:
{"hour": 11, "minute": 59}
